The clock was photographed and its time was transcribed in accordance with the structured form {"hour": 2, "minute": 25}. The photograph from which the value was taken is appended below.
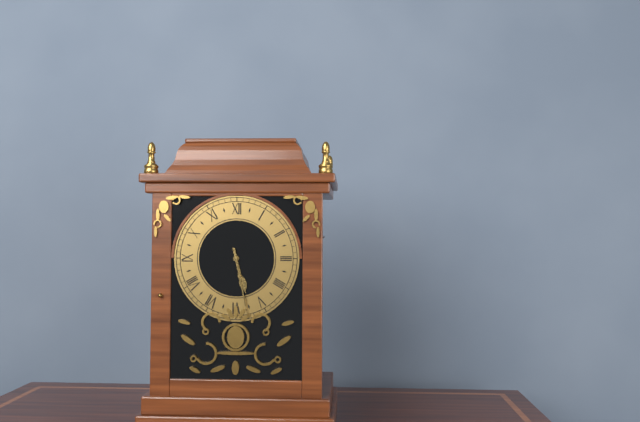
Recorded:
{"hour": 5, "minute": 28}
